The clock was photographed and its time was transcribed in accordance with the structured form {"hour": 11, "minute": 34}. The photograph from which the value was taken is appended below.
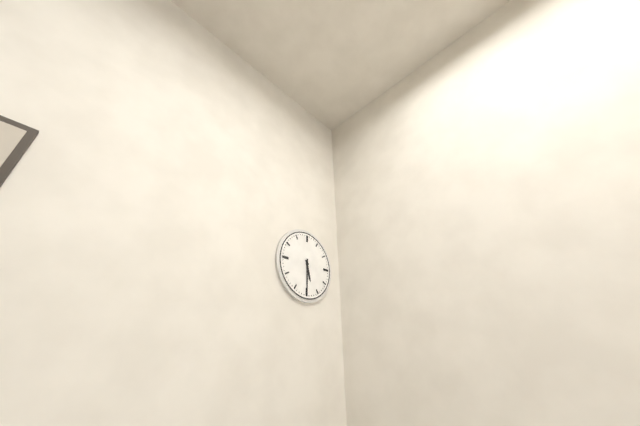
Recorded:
{"hour": 5, "minute": 30}
